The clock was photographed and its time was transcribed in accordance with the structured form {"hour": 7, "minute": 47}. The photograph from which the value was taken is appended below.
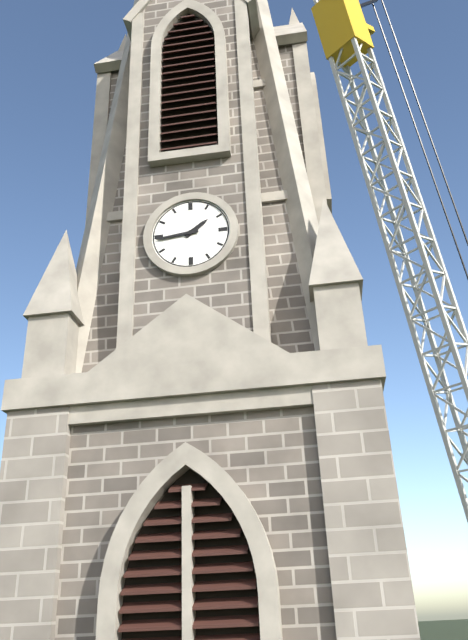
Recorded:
{"hour": 1, "minute": 44}
